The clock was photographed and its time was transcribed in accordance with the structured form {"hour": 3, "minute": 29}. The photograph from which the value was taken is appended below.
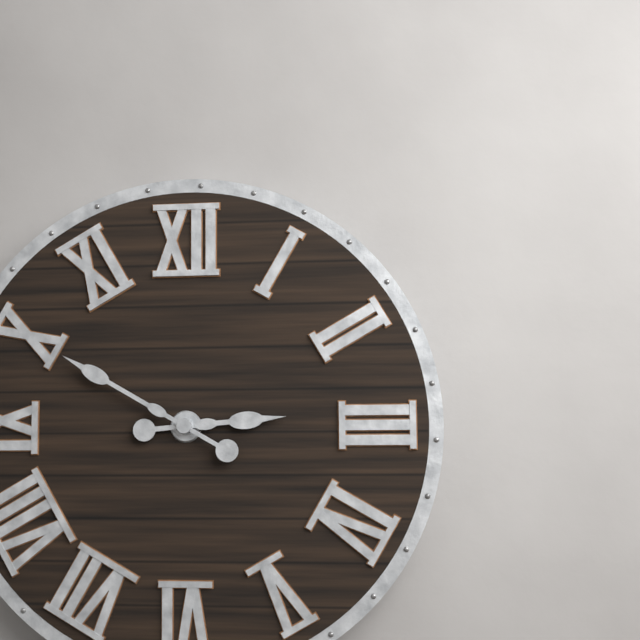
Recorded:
{"hour": 2, "minute": 50}
